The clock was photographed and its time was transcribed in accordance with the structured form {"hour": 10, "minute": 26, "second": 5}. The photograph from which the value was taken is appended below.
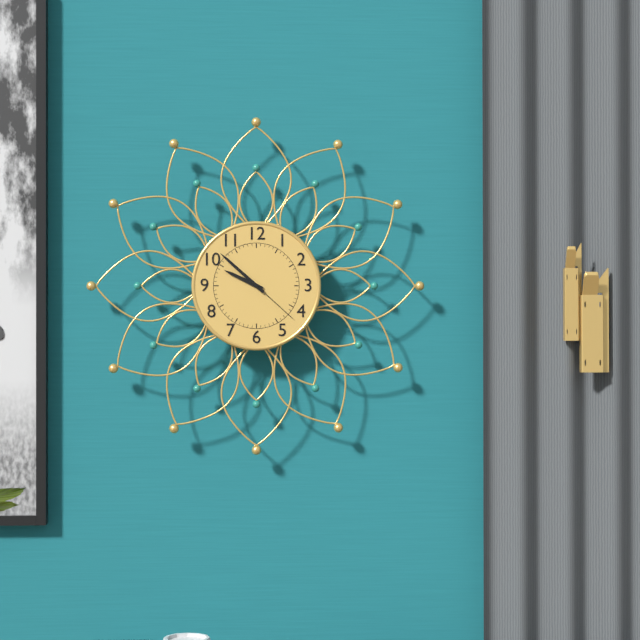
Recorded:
{"hour": 9, "minute": 52, "second": 22}
